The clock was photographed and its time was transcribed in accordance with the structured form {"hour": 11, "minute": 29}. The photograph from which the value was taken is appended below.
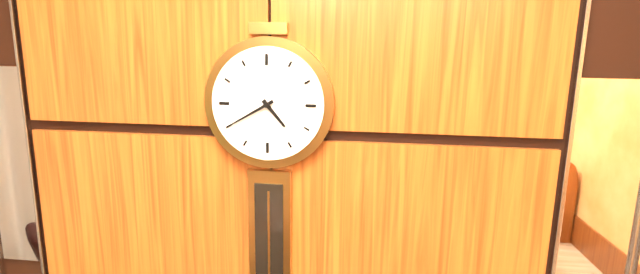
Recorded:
{"hour": 4, "minute": 40}
